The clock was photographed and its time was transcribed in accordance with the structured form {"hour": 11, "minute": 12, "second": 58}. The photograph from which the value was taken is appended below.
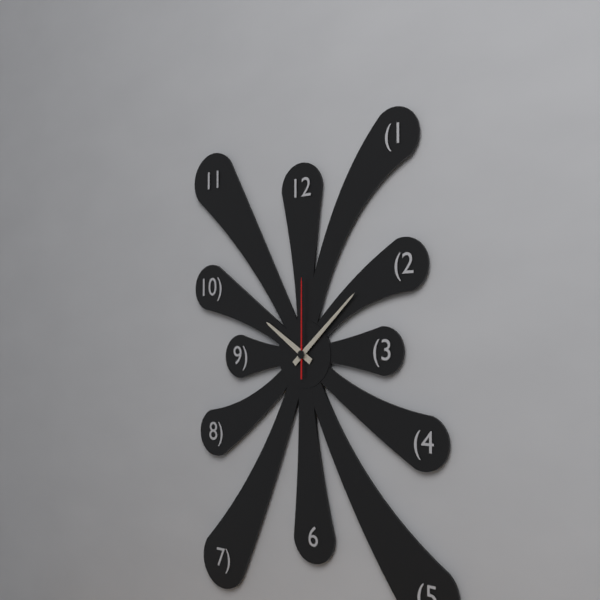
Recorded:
{"hour": 10, "minute": 8, "second": 0}
